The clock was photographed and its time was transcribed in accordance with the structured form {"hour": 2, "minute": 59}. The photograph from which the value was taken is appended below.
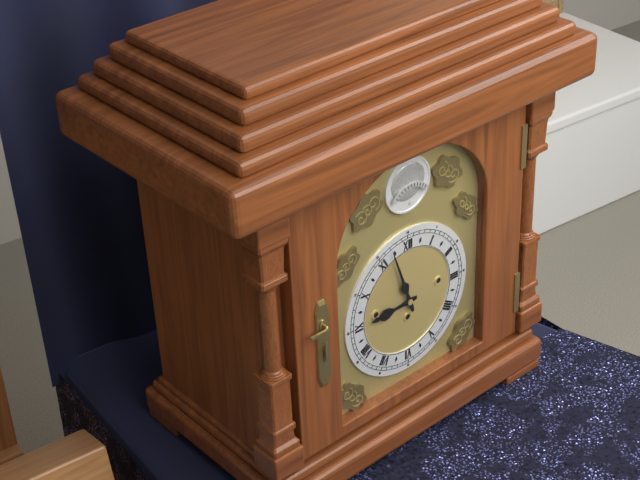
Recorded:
{"hour": 8, "minute": 57}
